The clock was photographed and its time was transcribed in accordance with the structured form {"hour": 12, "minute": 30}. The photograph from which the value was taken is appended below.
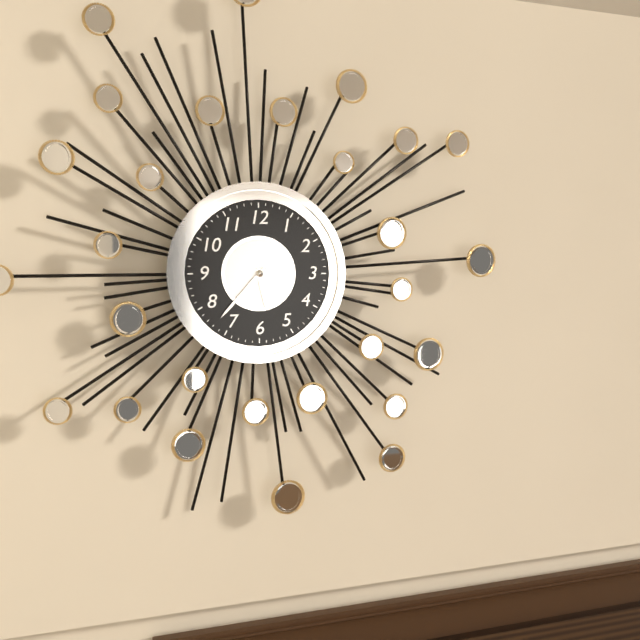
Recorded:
{"hour": 5, "minute": 37}
